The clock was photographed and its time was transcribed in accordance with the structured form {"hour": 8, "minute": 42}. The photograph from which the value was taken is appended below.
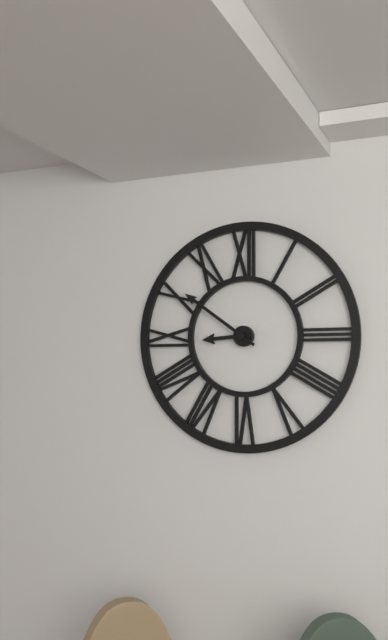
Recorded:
{"hour": 8, "minute": 51}
